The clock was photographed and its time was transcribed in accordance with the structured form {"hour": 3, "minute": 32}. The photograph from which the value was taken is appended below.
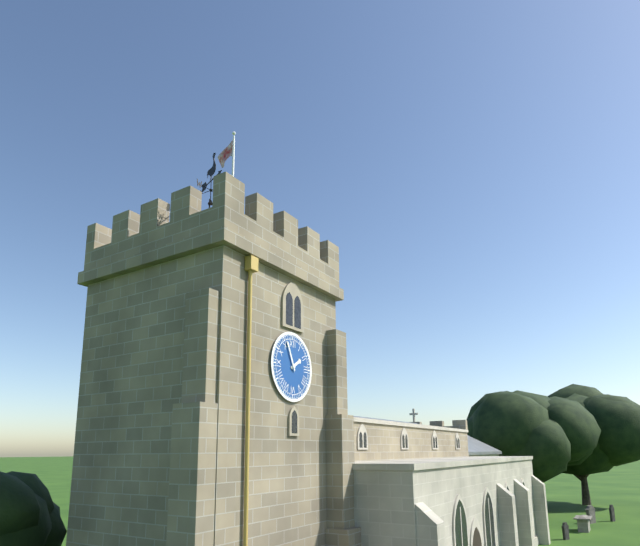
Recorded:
{"hour": 1, "minute": 56}
